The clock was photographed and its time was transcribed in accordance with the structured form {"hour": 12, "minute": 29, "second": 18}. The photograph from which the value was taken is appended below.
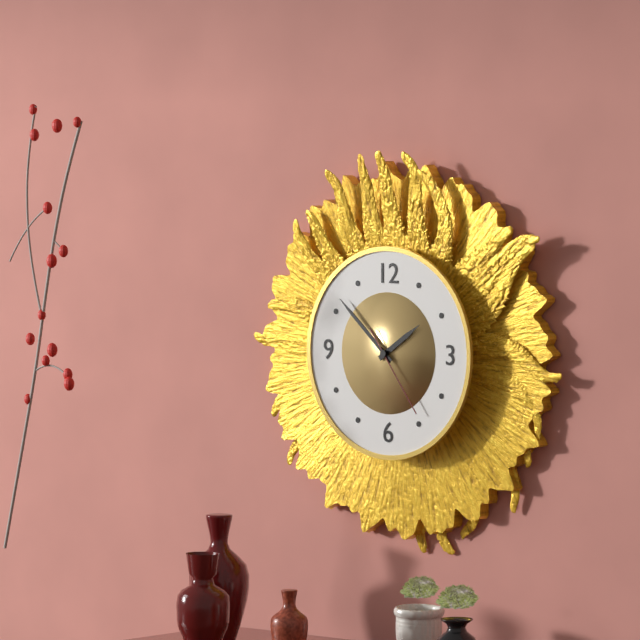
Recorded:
{"hour": 1, "minute": 52, "second": 24}
